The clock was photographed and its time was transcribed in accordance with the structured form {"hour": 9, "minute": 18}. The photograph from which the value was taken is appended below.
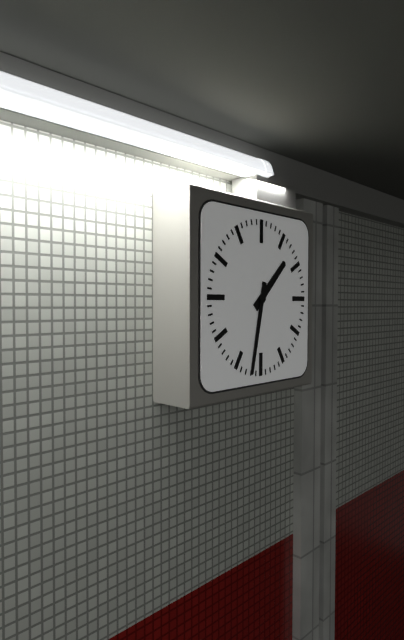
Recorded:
{"hour": 1, "minute": 32}
